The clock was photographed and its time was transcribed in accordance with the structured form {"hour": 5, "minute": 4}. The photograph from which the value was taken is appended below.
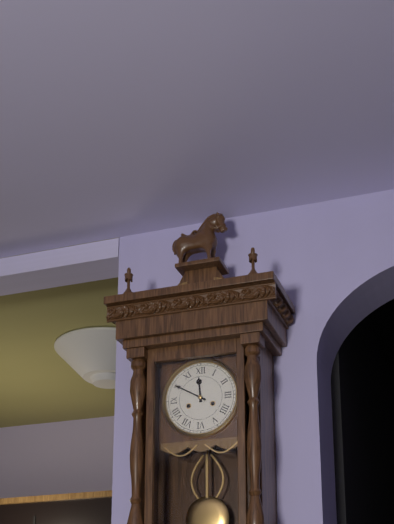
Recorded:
{"hour": 11, "minute": 50}
